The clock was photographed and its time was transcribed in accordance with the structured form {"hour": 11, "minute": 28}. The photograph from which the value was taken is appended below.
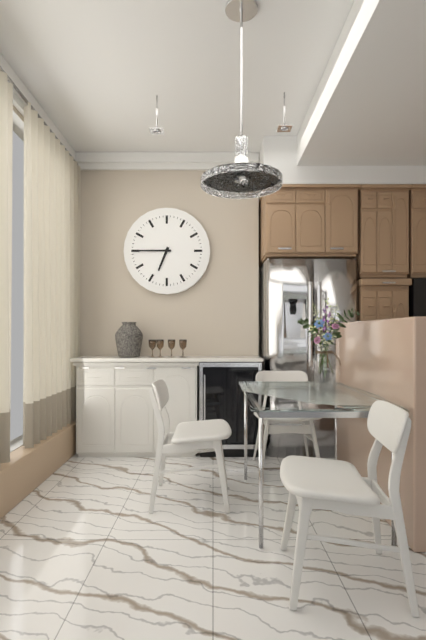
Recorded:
{"hour": 6, "minute": 45}
